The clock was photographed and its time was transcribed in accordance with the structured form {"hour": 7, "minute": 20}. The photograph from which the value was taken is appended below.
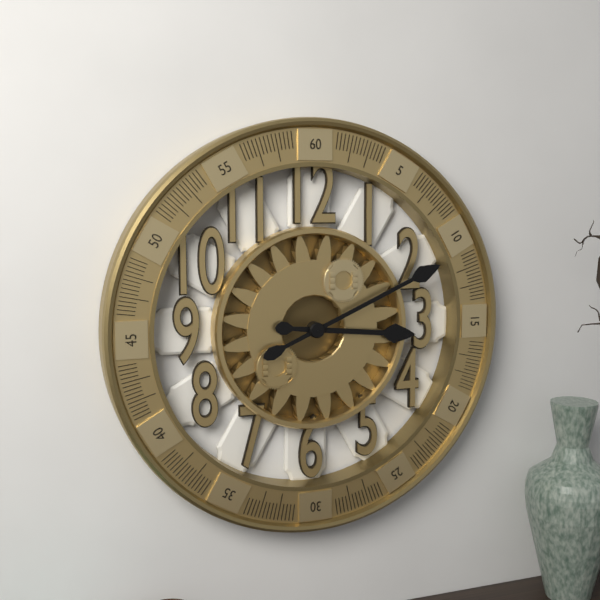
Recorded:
{"hour": 3, "minute": 11}
